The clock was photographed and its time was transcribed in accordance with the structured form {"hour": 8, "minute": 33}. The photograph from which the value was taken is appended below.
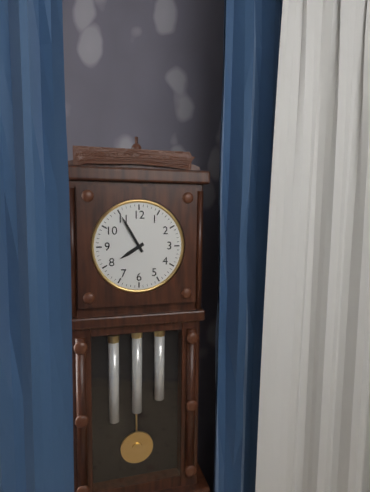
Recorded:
{"hour": 7, "minute": 55}
